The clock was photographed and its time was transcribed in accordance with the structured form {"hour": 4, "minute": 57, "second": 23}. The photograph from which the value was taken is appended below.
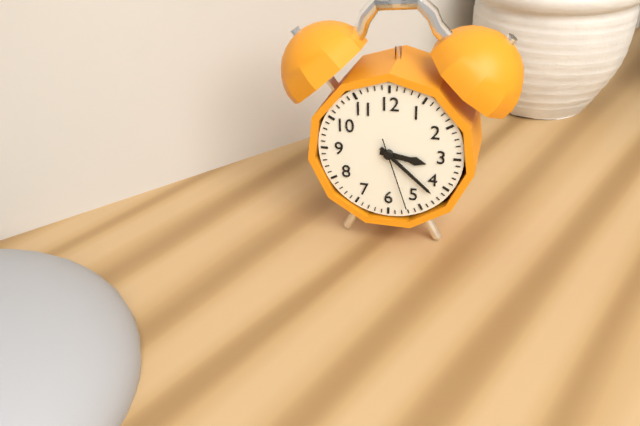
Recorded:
{"hour": 3, "minute": 22, "second": 27}
